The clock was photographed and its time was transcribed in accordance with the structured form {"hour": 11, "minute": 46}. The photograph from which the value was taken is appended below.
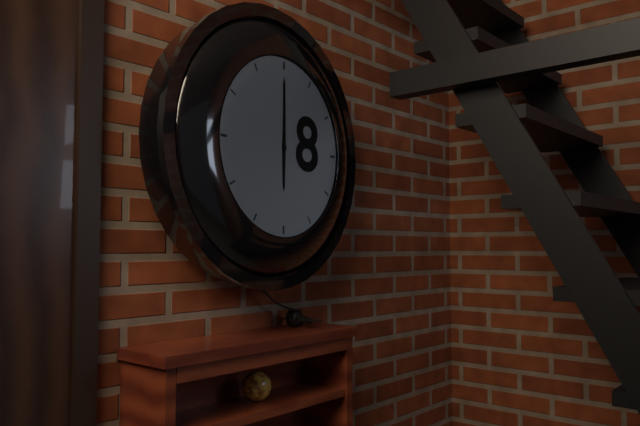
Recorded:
{"hour": 6, "minute": 0}
